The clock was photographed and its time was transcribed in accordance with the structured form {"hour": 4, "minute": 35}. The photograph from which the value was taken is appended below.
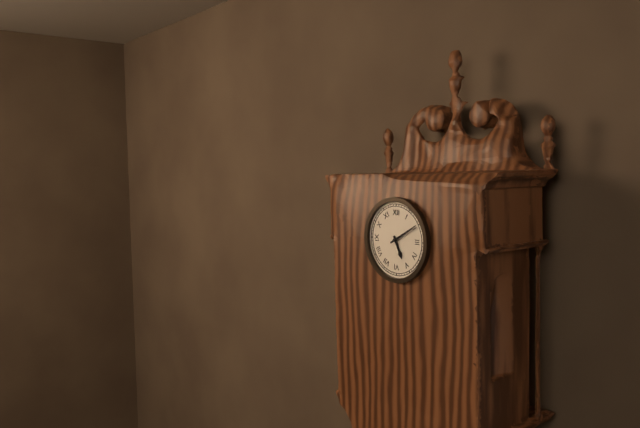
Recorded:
{"hour": 5, "minute": 10}
